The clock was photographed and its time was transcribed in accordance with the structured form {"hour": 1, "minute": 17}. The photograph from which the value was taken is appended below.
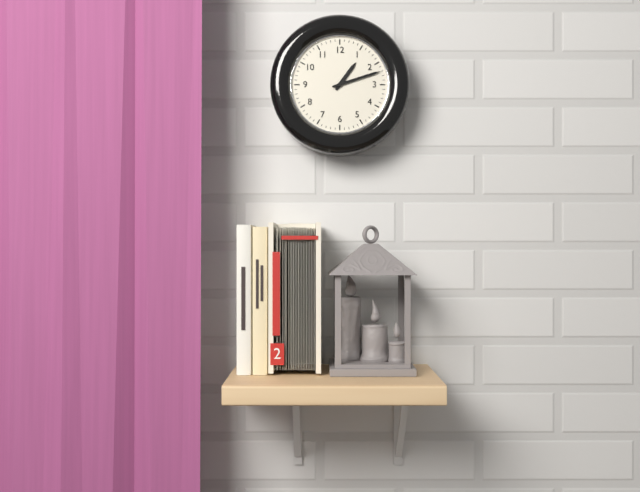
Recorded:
{"hour": 1, "minute": 12}
